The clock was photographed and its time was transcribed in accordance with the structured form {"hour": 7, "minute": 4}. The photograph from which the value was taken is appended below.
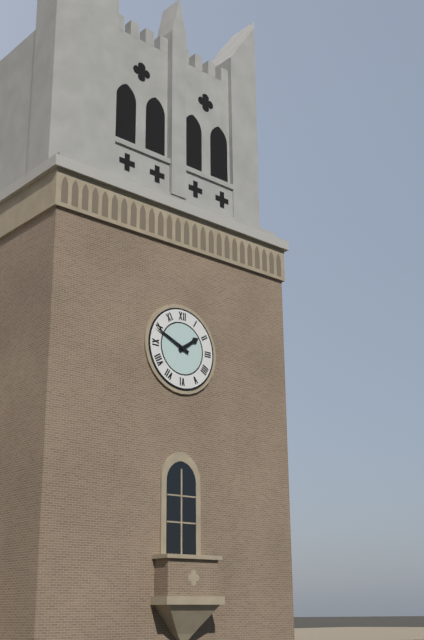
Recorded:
{"hour": 1, "minute": 49}
